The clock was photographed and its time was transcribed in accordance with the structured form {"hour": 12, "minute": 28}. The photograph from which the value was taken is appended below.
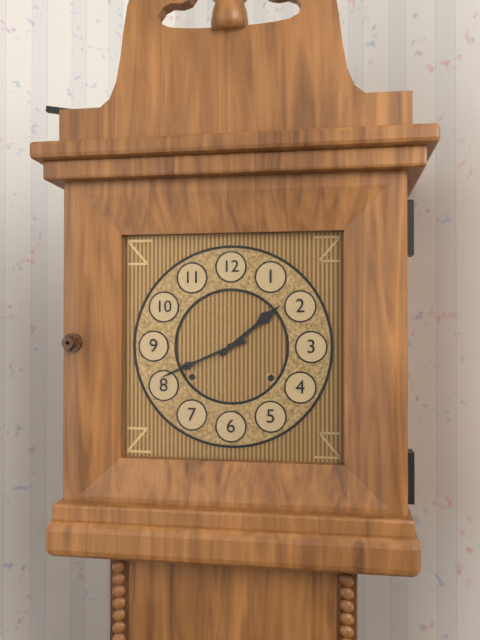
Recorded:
{"hour": 1, "minute": 41}
